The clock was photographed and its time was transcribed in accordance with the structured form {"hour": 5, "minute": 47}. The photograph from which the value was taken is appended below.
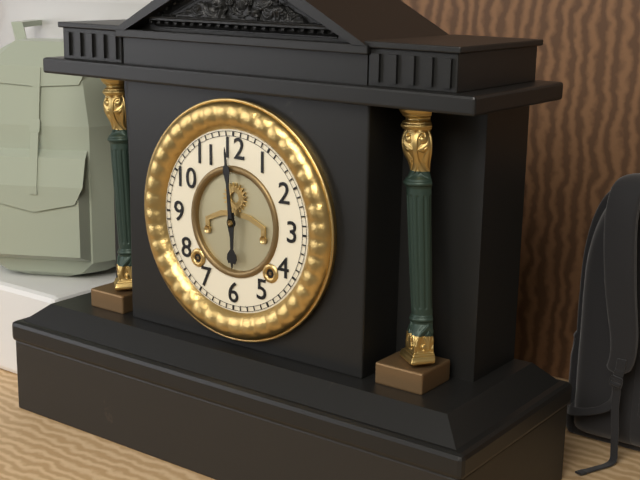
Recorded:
{"hour": 5, "minute": 59}
